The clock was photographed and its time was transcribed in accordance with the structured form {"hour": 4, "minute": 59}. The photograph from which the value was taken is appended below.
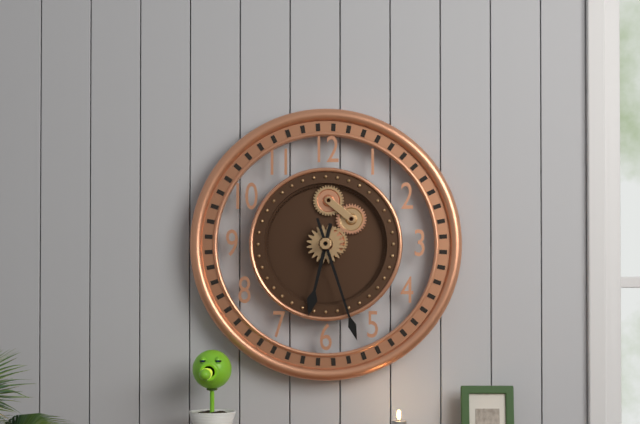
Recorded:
{"hour": 6, "minute": 27}
